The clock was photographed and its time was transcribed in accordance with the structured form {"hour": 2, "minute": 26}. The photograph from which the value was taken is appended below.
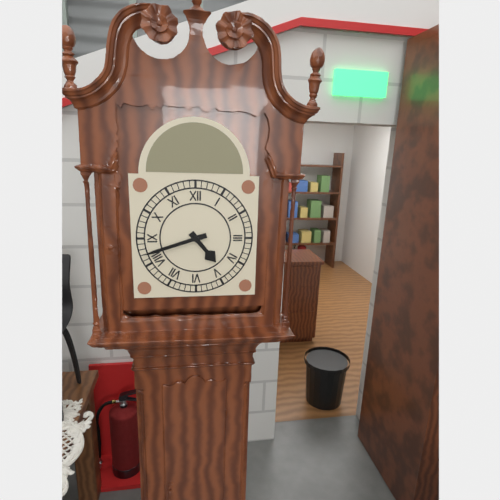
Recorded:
{"hour": 4, "minute": 42}
